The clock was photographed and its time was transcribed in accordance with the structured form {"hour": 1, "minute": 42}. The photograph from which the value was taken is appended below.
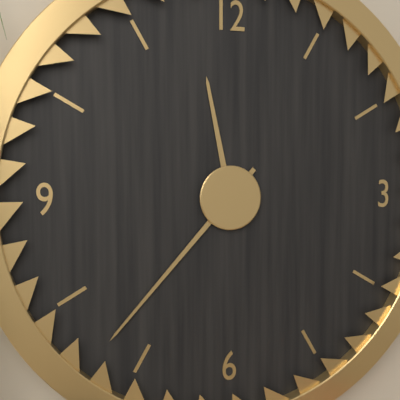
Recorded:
{"hour": 11, "minute": 37}
